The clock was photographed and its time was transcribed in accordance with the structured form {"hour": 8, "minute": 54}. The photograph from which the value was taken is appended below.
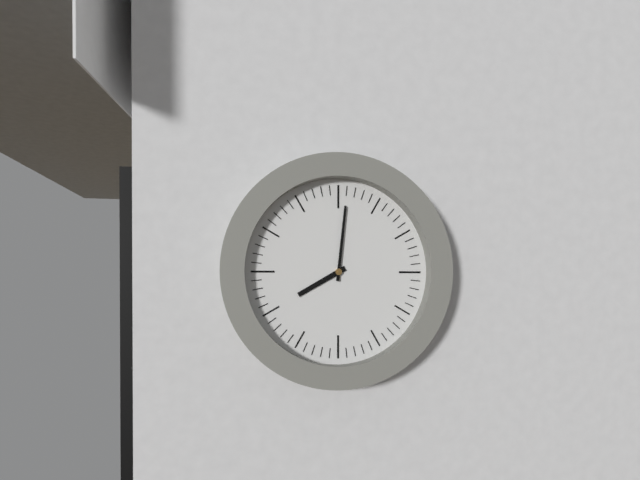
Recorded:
{"hour": 8, "minute": 1}
